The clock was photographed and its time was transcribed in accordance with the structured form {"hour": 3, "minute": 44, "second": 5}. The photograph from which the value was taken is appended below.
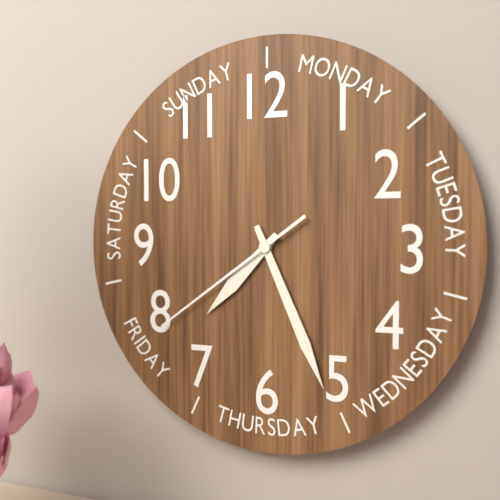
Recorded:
{"hour": 7, "minute": 26, "second": 39}
